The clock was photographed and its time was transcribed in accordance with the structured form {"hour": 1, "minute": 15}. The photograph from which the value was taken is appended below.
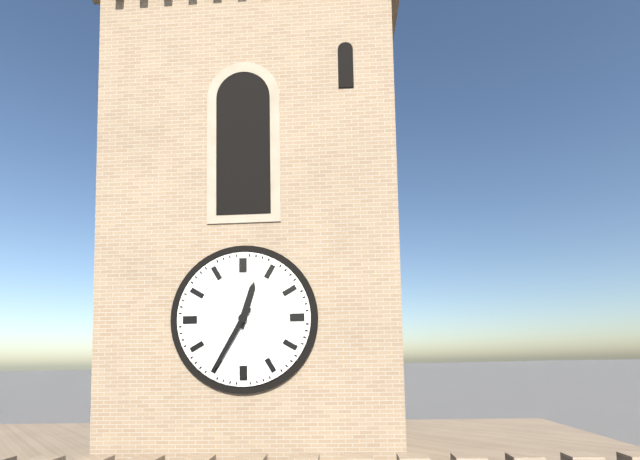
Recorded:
{"hour": 12, "minute": 35}
